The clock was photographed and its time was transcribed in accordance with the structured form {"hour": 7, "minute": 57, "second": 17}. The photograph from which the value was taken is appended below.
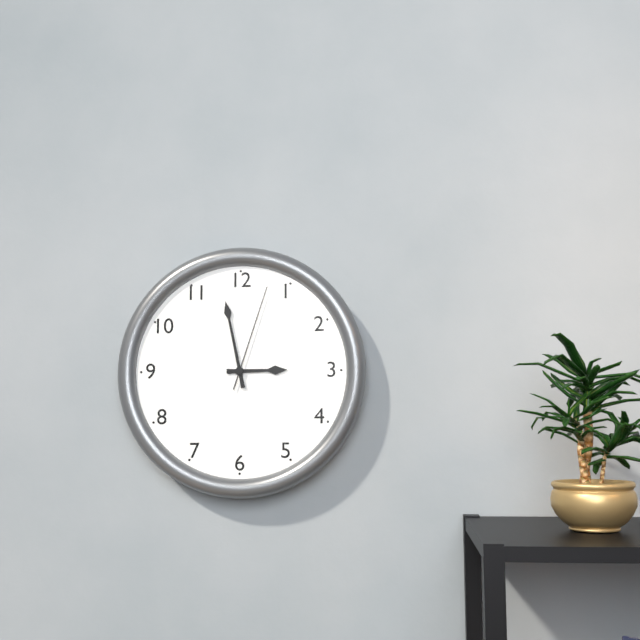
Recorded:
{"hour": 2, "minute": 58, "second": 3}
